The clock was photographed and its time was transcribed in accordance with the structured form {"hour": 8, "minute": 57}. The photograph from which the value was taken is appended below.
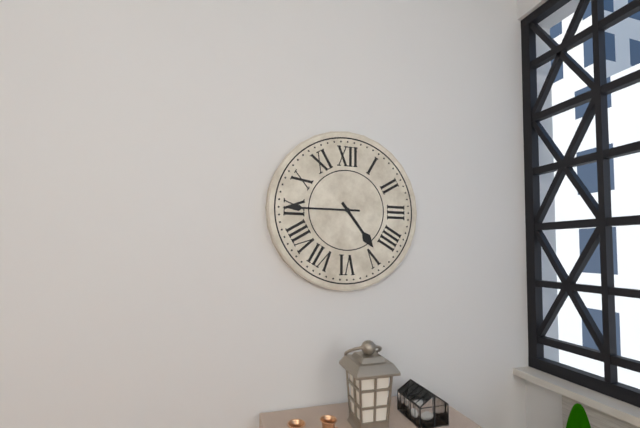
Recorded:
{"hour": 4, "minute": 45}
